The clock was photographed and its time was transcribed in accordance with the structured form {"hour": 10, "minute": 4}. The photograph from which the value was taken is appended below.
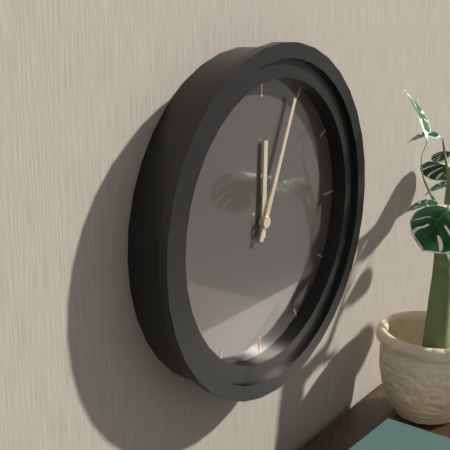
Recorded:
{"hour": 12, "minute": 4}
